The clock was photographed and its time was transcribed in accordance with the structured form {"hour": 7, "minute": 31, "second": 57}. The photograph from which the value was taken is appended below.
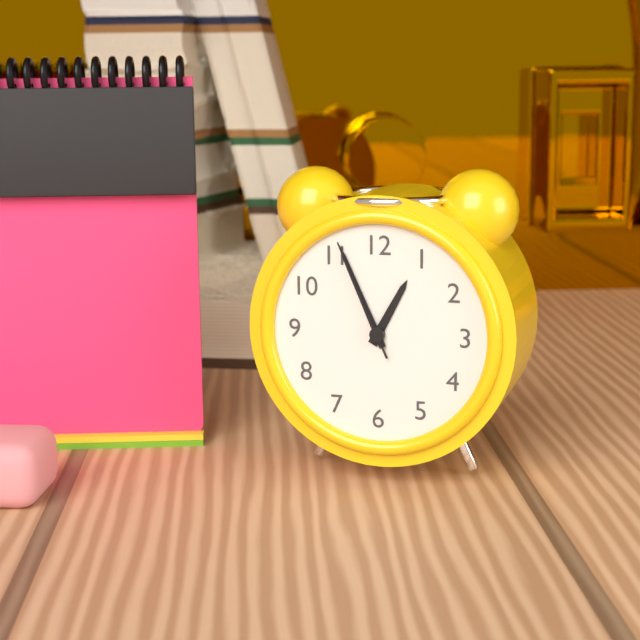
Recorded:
{"hour": 12, "minute": 56, "second": 56}
